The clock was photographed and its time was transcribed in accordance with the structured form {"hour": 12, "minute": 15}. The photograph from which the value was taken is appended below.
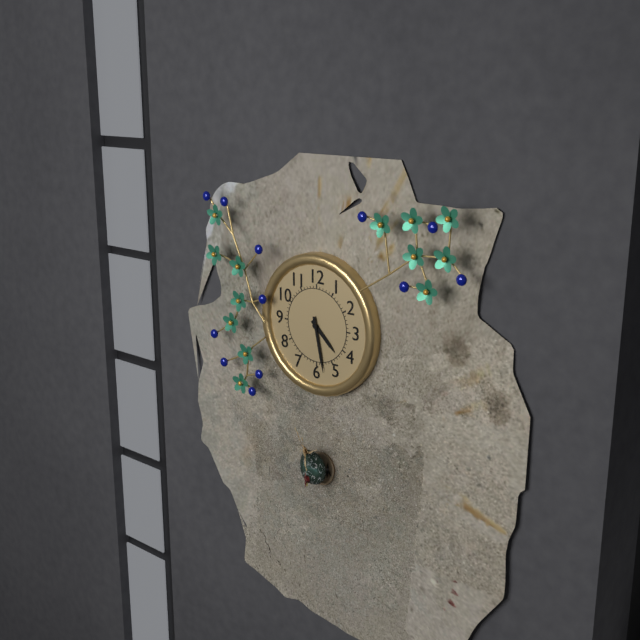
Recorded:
{"hour": 4, "minute": 28}
